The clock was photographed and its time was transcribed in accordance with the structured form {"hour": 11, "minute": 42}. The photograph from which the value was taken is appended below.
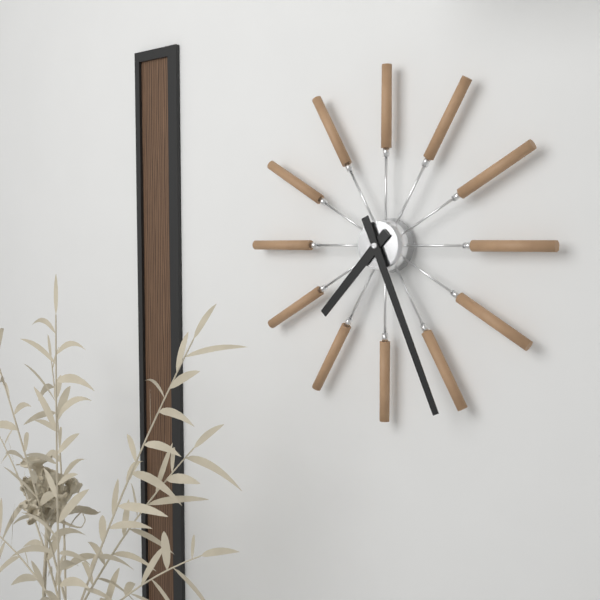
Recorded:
{"hour": 7, "minute": 26}
